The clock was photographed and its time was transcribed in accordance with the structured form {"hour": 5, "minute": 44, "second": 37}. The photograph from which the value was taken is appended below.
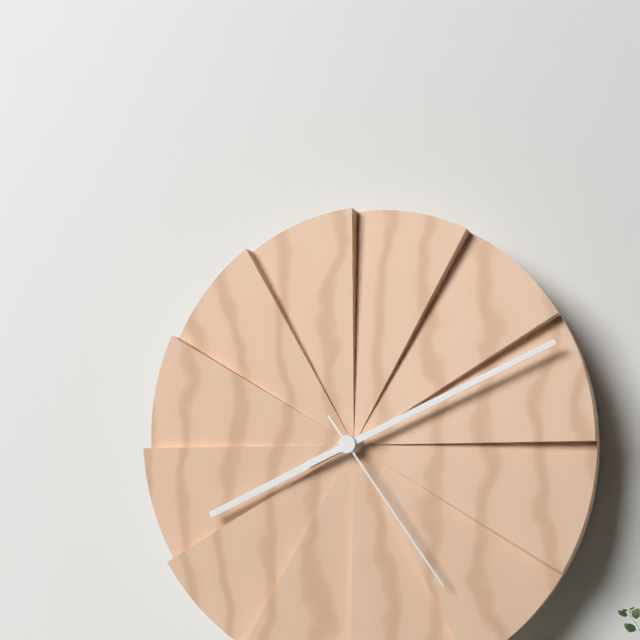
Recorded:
{"hour": 8, "minute": 11, "second": 24}
